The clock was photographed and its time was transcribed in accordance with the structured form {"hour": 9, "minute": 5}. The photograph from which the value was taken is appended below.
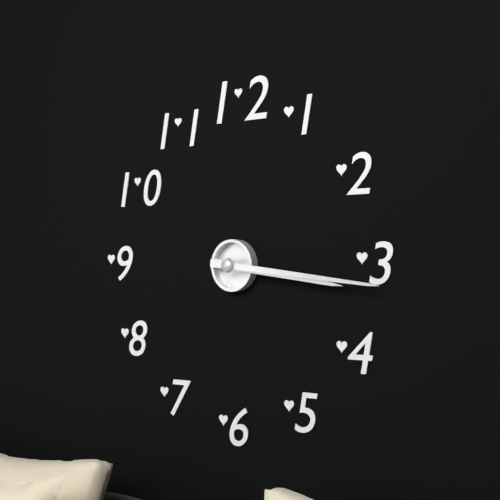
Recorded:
{"hour": 3, "minute": 16}
